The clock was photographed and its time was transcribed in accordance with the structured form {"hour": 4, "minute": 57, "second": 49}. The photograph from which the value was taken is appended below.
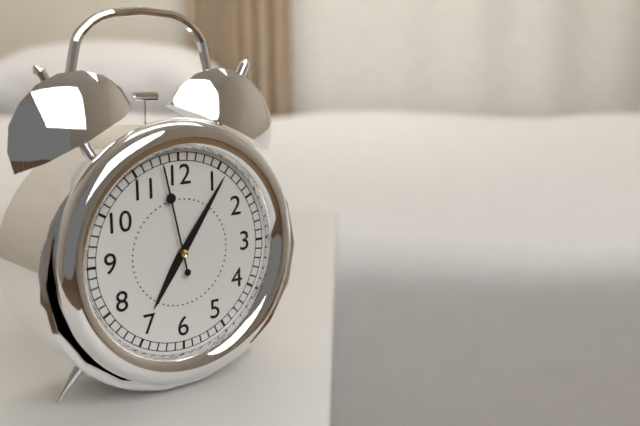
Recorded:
{"hour": 7, "minute": 6, "second": 58}
